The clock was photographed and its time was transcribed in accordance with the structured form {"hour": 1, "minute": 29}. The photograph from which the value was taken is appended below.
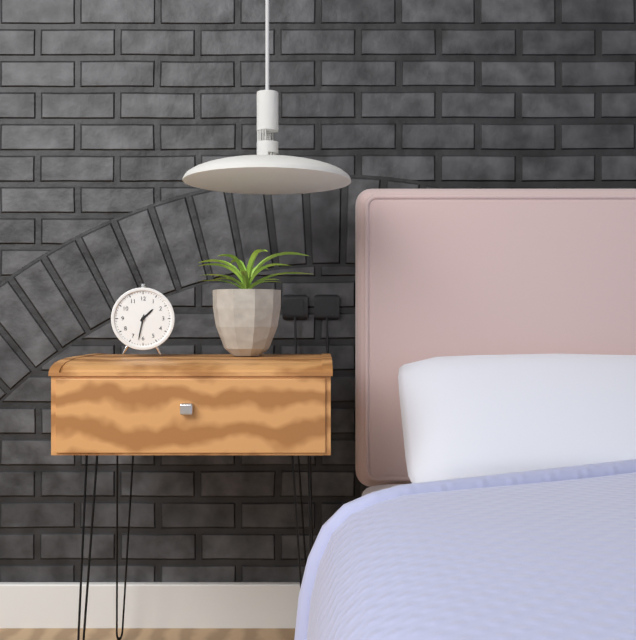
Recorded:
{"hour": 1, "minute": 32}
